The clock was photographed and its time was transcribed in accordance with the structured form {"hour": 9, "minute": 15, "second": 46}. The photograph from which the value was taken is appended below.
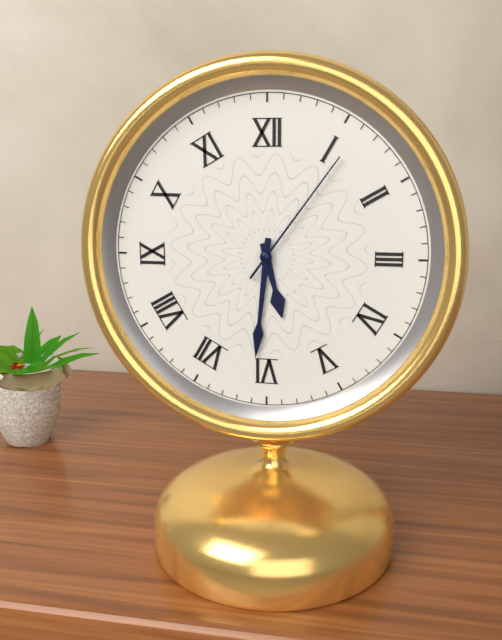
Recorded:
{"hour": 5, "minute": 31, "second": 6}
